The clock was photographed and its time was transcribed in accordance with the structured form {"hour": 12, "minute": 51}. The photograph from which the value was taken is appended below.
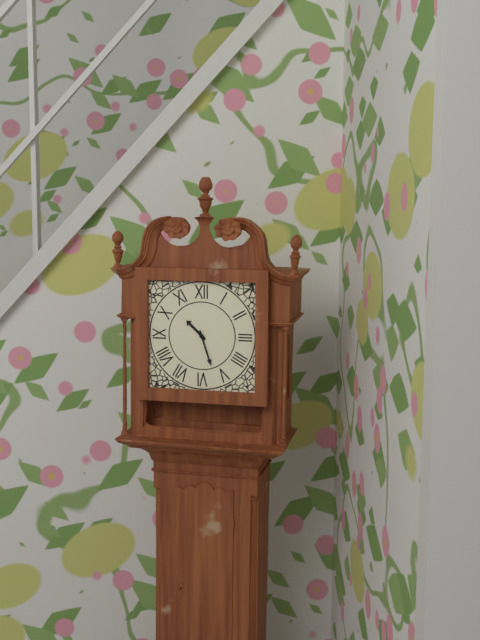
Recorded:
{"hour": 10, "minute": 27}
